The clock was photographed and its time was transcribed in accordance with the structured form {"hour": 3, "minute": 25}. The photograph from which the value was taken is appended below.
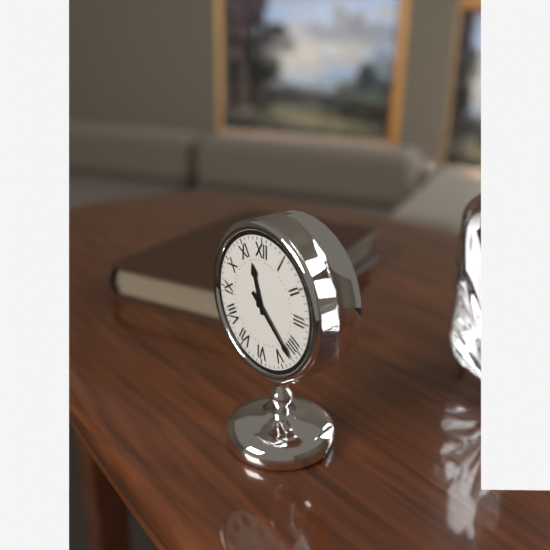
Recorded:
{"hour": 11, "minute": 22}
